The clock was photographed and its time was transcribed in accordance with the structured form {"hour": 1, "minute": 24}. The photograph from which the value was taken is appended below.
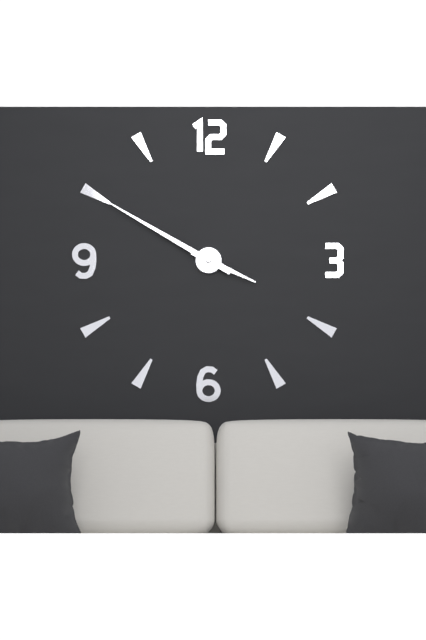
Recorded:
{"hour": 3, "minute": 50}
